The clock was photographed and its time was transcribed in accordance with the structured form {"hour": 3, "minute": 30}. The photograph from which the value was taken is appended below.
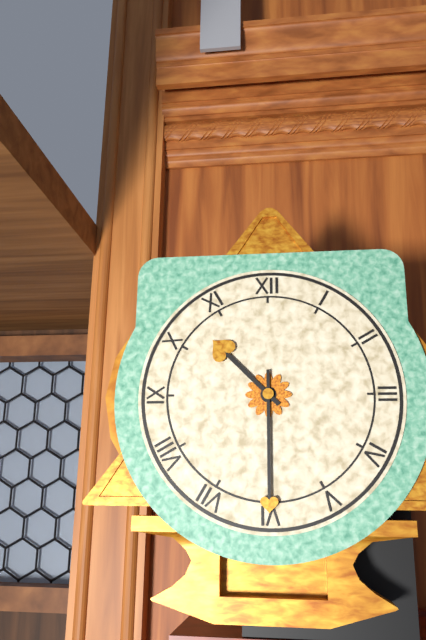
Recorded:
{"hour": 10, "minute": 30}
